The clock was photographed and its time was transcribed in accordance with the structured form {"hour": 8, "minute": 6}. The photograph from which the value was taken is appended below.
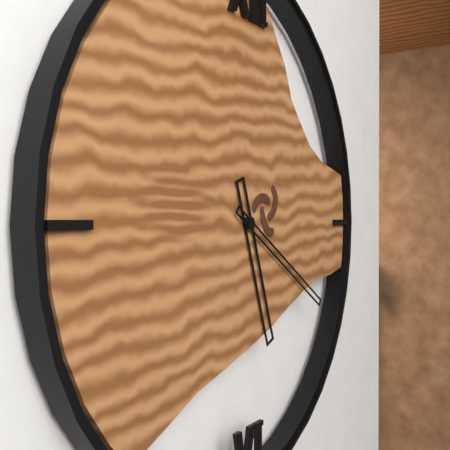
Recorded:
{"hour": 5, "minute": 20}
